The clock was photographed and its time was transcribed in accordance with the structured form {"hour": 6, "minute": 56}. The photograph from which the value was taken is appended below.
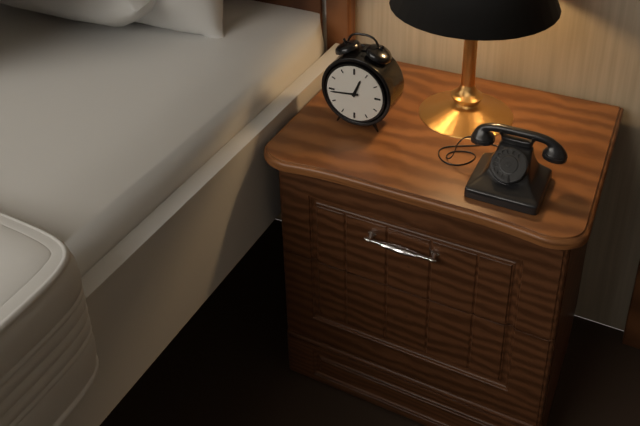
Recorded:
{"hour": 12, "minute": 44}
